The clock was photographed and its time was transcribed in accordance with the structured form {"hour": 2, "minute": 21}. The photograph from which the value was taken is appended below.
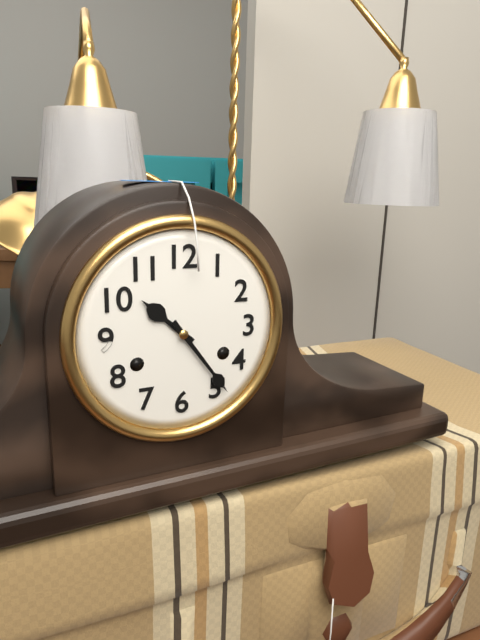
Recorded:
{"hour": 10, "minute": 24}
